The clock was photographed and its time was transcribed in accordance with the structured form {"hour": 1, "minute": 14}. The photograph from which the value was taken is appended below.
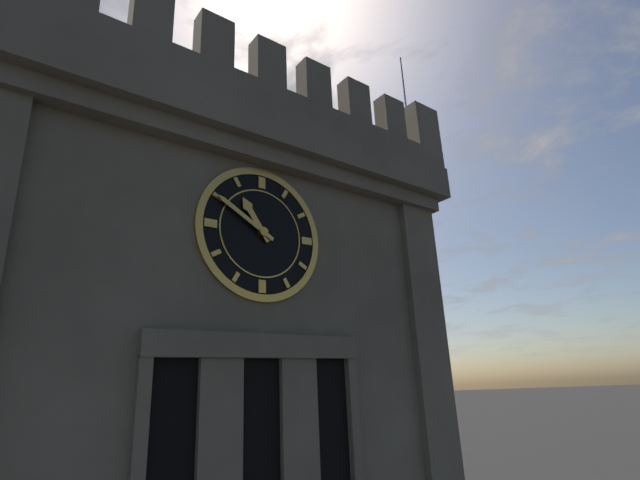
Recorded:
{"hour": 10, "minute": 50}
